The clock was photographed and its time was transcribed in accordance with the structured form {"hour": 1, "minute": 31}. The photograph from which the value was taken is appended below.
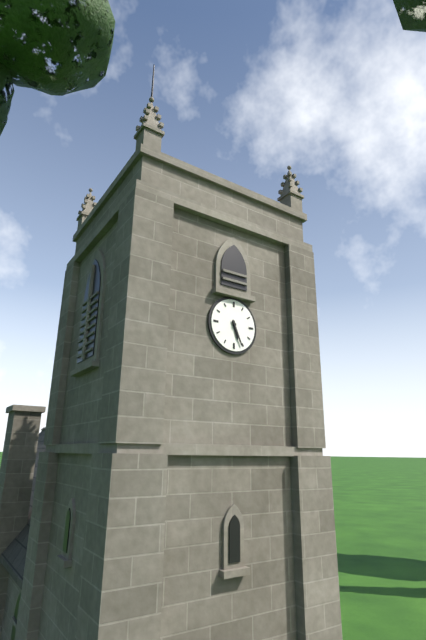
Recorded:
{"hour": 5, "minute": 26}
